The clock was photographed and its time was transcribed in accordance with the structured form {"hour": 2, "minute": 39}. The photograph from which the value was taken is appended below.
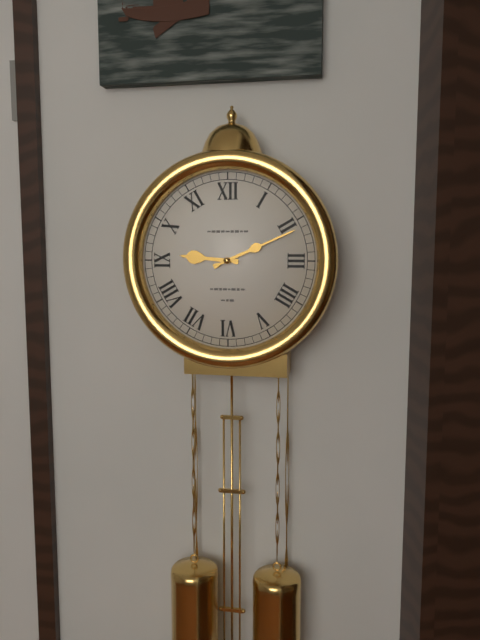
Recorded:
{"hour": 9, "minute": 11}
